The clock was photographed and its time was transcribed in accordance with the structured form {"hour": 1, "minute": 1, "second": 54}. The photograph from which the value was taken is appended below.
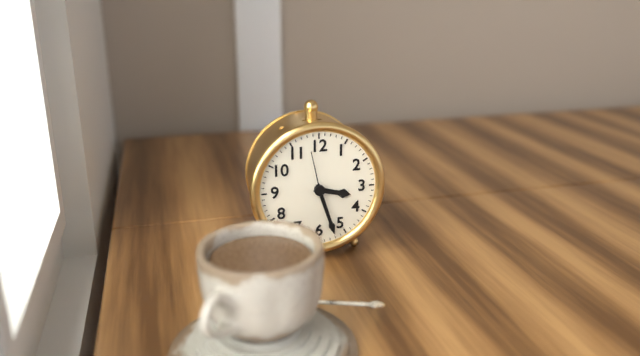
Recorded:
{"hour": 3, "minute": 27, "second": 58}
